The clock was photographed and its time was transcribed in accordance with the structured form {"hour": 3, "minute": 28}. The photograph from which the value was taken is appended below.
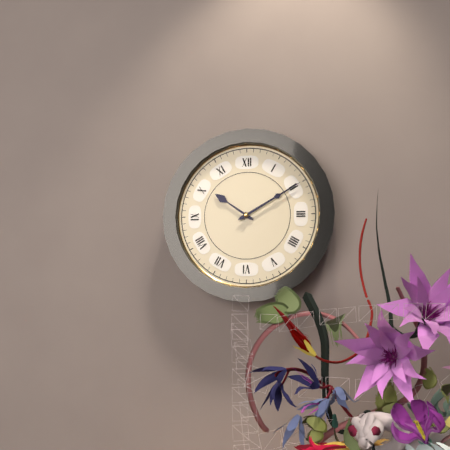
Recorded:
{"hour": 10, "minute": 10}
